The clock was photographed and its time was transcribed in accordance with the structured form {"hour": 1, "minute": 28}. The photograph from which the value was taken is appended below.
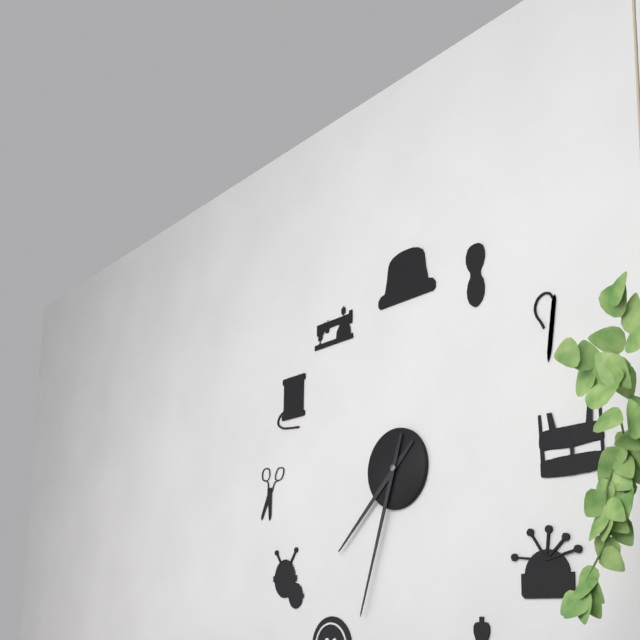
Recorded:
{"hour": 7, "minute": 33}
